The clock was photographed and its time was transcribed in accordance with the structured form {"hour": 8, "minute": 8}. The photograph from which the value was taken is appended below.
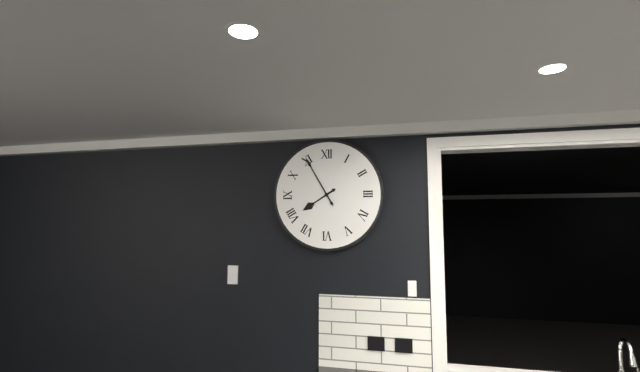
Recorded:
{"hour": 7, "minute": 55}
